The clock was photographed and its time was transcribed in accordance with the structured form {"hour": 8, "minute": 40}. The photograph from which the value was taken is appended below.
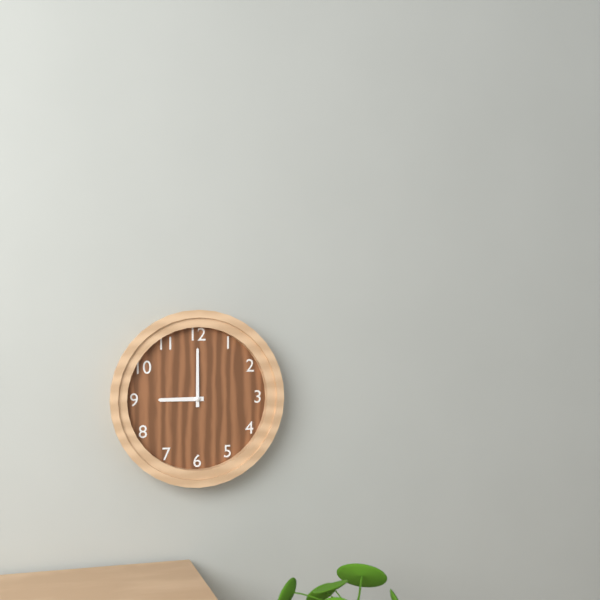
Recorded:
{"hour": 9, "minute": 0}
